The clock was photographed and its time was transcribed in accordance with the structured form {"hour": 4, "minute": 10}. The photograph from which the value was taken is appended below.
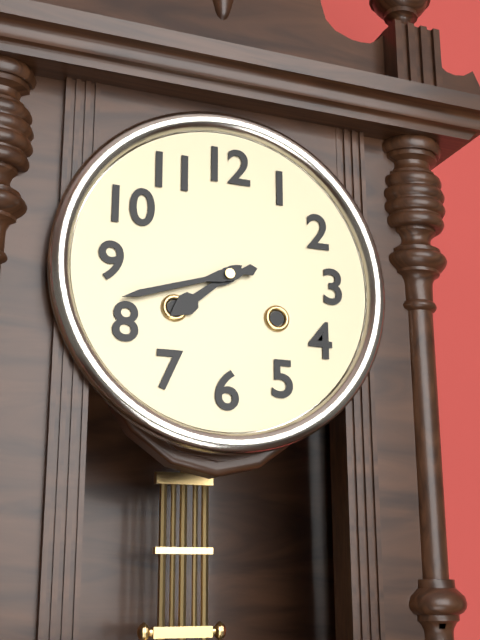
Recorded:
{"hour": 7, "minute": 42}
